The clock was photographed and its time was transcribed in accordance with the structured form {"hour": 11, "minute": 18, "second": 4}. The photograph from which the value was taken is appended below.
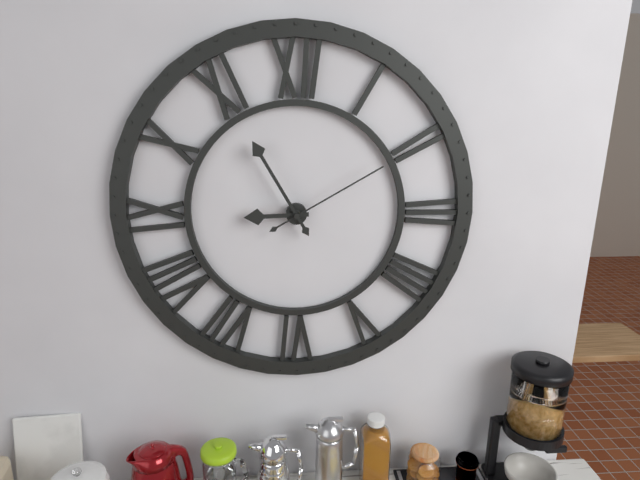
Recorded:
{"hour": 8, "minute": 55, "second": 10}
